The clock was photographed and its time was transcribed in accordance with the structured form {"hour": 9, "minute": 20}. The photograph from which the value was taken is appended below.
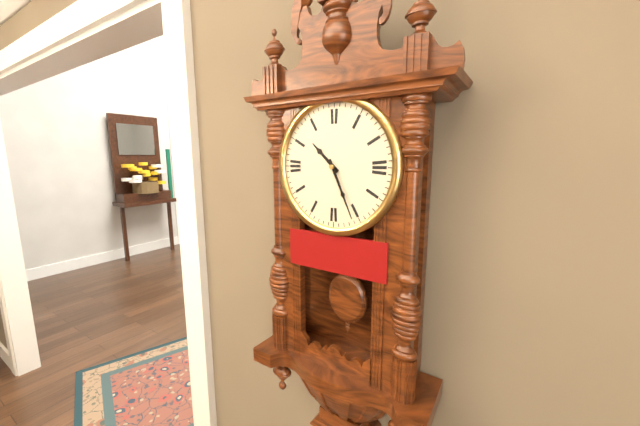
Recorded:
{"hour": 10, "minute": 26}
